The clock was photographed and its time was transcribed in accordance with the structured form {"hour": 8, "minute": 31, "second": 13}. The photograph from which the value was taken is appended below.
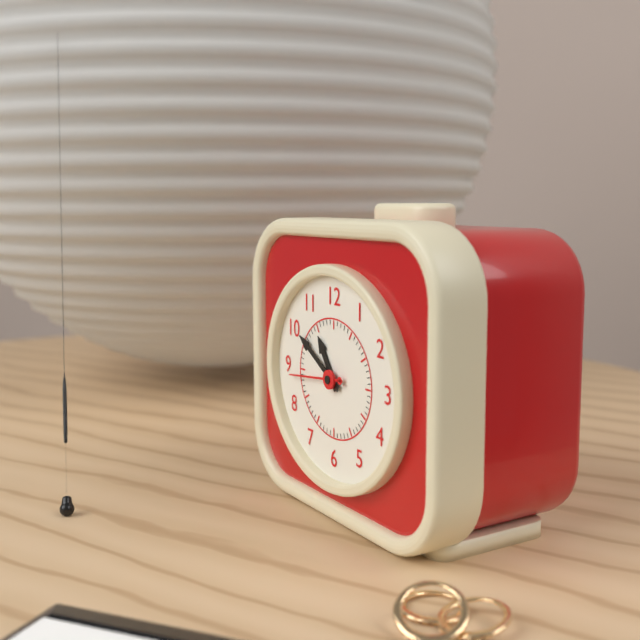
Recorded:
{"hour": 10, "minute": 50, "second": 44}
